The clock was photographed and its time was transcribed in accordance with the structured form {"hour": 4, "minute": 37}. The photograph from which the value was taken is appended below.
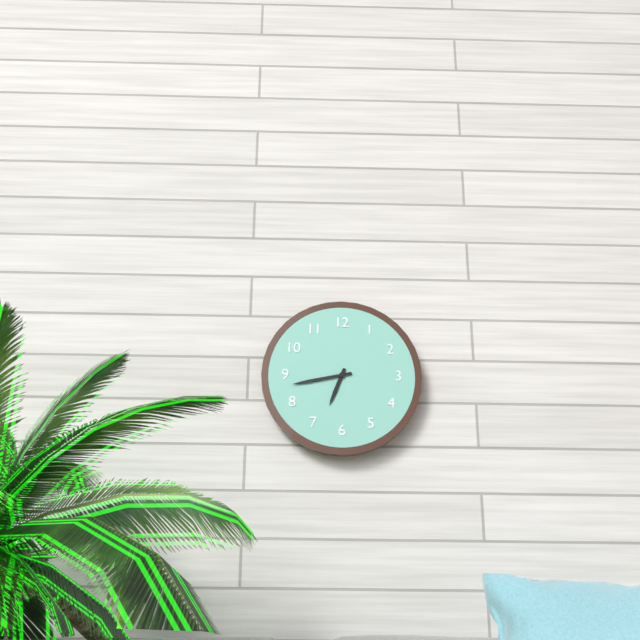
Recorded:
{"hour": 6, "minute": 43}
